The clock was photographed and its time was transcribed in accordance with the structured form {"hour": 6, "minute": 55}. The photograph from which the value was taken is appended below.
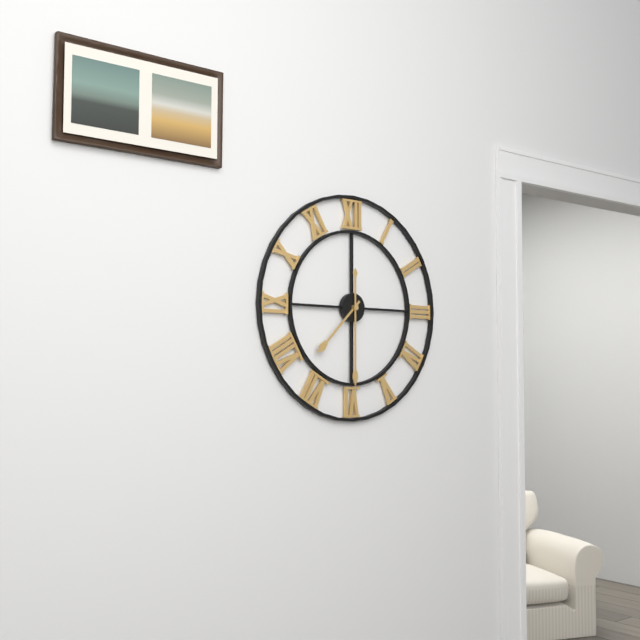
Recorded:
{"hour": 7, "minute": 30}
